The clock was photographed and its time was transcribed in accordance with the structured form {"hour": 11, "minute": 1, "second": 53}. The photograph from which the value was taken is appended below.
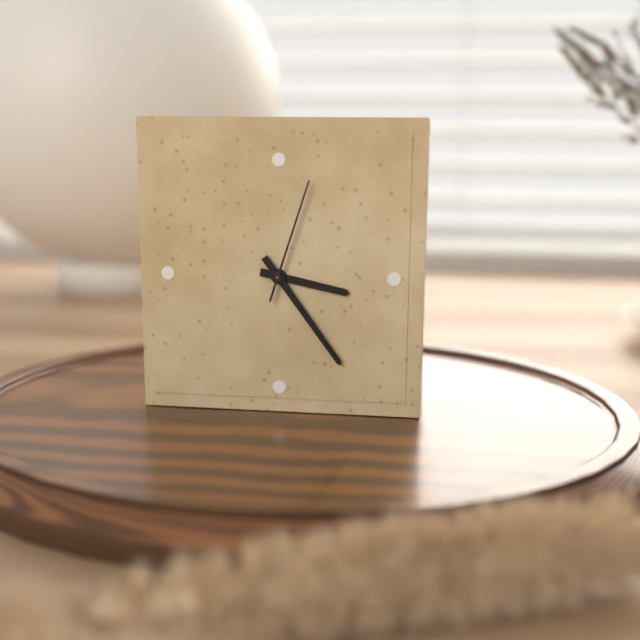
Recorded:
{"hour": 3, "minute": 24, "second": 3}
